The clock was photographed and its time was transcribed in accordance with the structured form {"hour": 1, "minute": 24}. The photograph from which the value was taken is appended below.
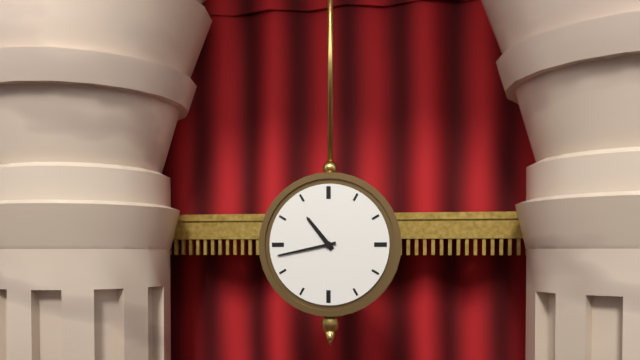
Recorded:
{"hour": 10, "minute": 43}
